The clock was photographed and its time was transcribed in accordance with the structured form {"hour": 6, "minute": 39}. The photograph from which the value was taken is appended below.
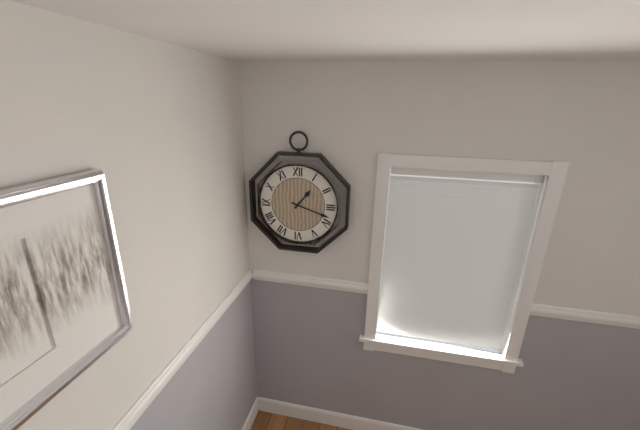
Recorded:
{"hour": 1, "minute": 18}
